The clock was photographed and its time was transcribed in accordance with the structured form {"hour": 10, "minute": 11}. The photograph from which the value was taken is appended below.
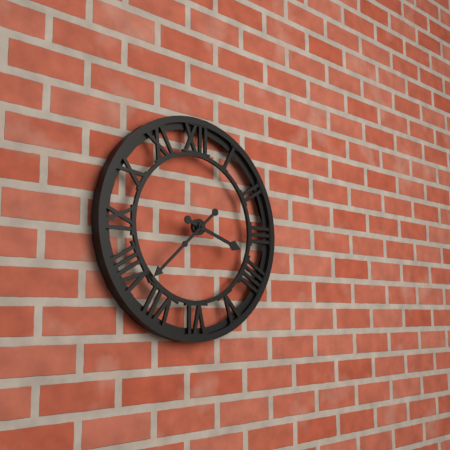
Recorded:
{"hour": 3, "minute": 38}
